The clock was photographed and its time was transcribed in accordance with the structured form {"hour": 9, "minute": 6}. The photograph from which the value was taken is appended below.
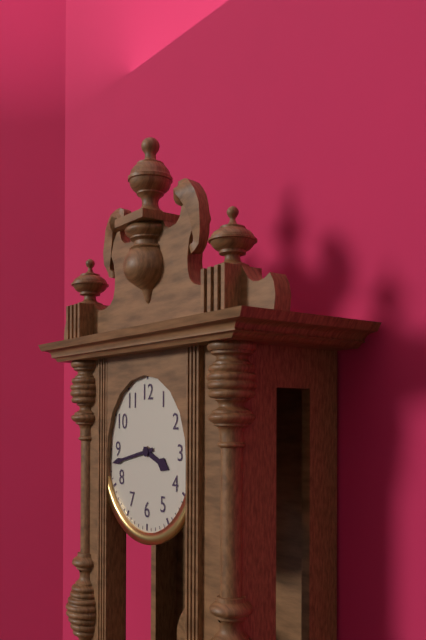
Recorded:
{"hour": 3, "minute": 43}
